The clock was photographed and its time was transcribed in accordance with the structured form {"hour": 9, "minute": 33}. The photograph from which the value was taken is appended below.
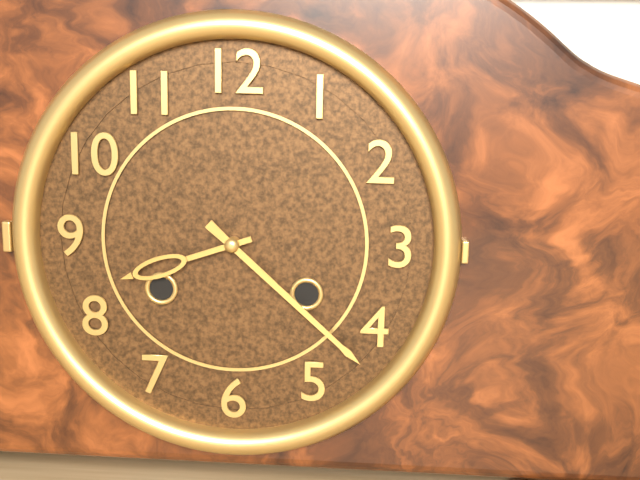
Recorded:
{"hour": 8, "minute": 22}
